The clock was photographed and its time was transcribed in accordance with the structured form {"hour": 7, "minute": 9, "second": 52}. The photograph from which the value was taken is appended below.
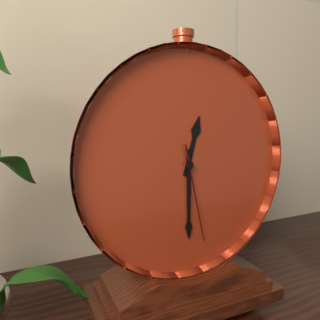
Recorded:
{"hour": 12, "minute": 30, "second": 28}
